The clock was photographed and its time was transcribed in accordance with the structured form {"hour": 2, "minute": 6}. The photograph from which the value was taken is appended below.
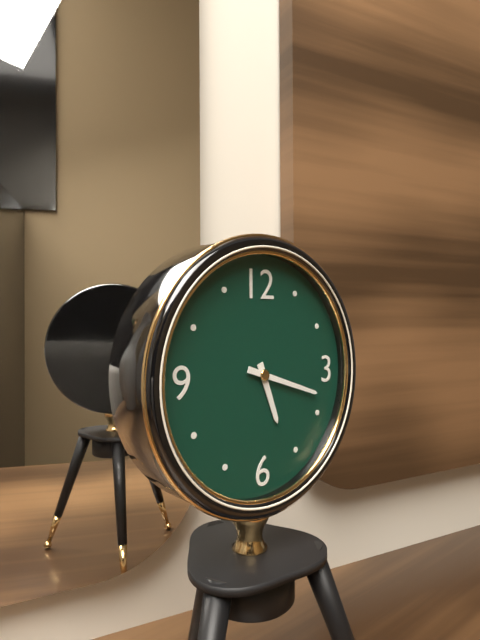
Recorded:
{"hour": 5, "minute": 18}
